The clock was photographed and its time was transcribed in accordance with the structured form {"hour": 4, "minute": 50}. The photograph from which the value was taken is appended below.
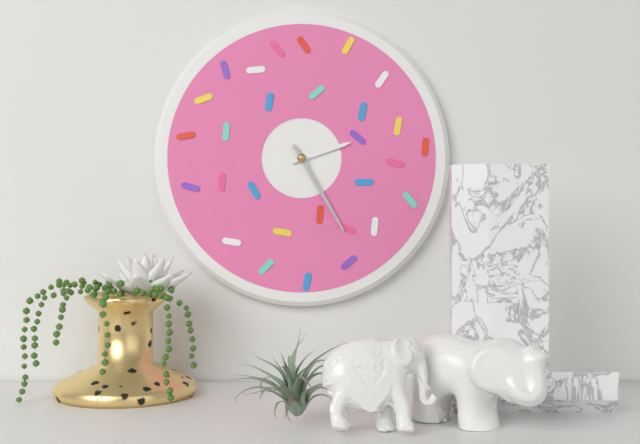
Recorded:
{"hour": 2, "minute": 25}
